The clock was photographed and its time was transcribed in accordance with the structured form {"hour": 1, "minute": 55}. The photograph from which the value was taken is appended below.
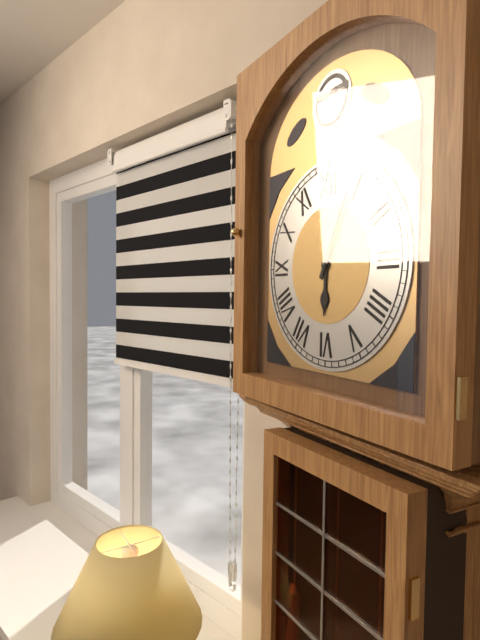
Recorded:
{"hour": 6, "minute": 4}
